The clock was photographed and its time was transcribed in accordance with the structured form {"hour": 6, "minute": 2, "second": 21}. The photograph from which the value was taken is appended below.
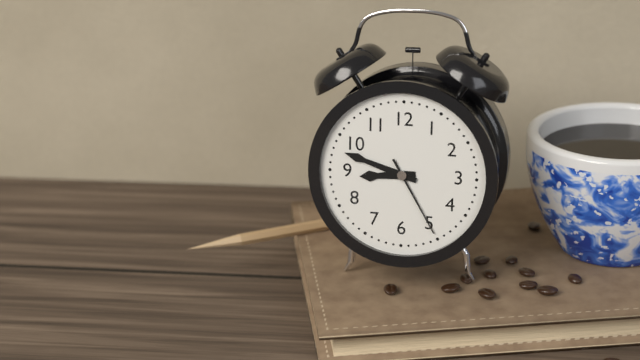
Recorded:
{"hour": 8, "minute": 48, "second": 25}
